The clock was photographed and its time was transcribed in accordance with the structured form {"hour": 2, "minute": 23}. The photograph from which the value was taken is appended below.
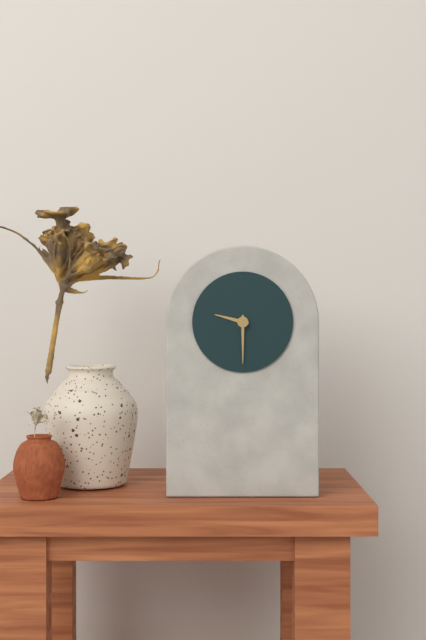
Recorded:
{"hour": 9, "minute": 30}
